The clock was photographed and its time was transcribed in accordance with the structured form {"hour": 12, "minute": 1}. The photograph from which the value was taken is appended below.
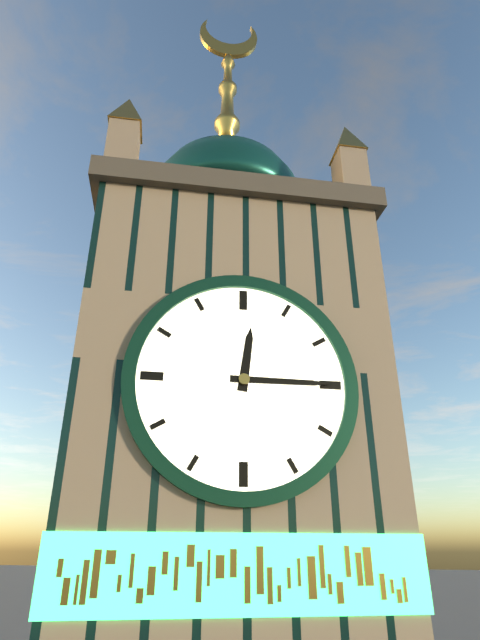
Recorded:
{"hour": 12, "minute": 15}
